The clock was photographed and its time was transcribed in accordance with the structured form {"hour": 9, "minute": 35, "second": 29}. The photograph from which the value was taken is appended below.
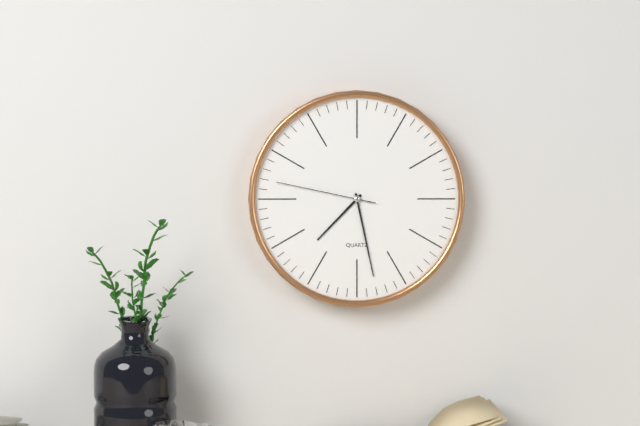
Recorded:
{"hour": 7, "minute": 28, "second": 47}
